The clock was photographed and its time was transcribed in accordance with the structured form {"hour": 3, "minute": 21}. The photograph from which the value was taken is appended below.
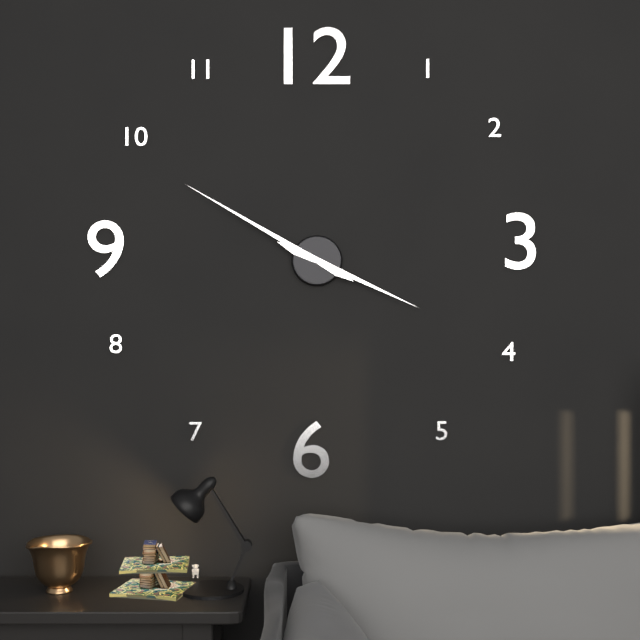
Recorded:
{"hour": 3, "minute": 50}
